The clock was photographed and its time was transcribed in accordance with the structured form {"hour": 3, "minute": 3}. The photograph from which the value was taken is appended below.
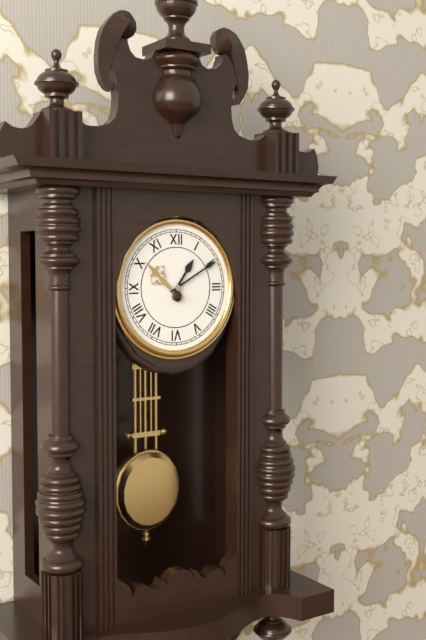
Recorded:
{"hour": 1, "minute": 10}
